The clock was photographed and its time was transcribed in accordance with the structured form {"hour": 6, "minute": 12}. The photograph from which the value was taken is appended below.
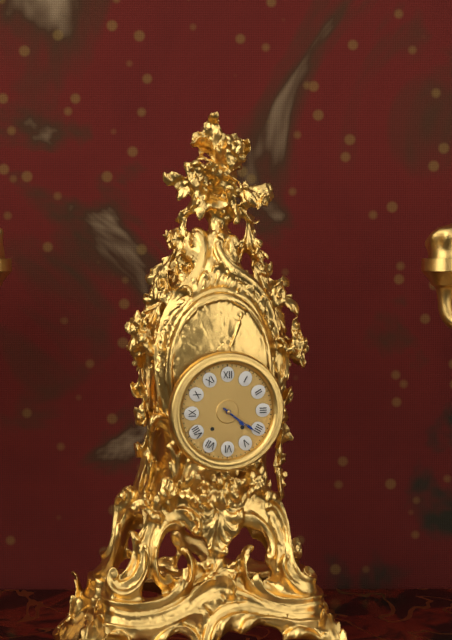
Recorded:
{"hour": 4, "minute": 21}
